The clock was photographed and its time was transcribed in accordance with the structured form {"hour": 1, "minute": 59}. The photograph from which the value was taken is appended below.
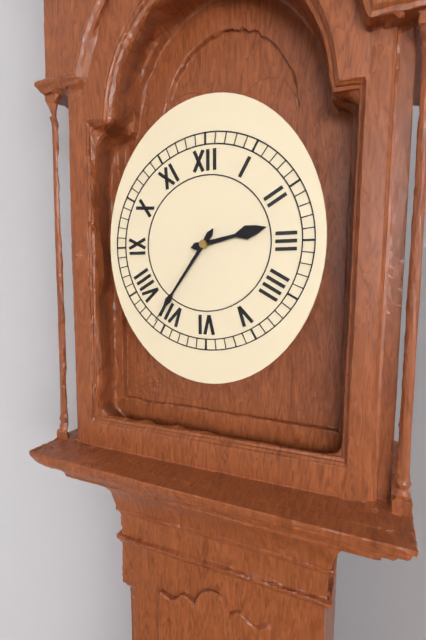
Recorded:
{"hour": 2, "minute": 36}
